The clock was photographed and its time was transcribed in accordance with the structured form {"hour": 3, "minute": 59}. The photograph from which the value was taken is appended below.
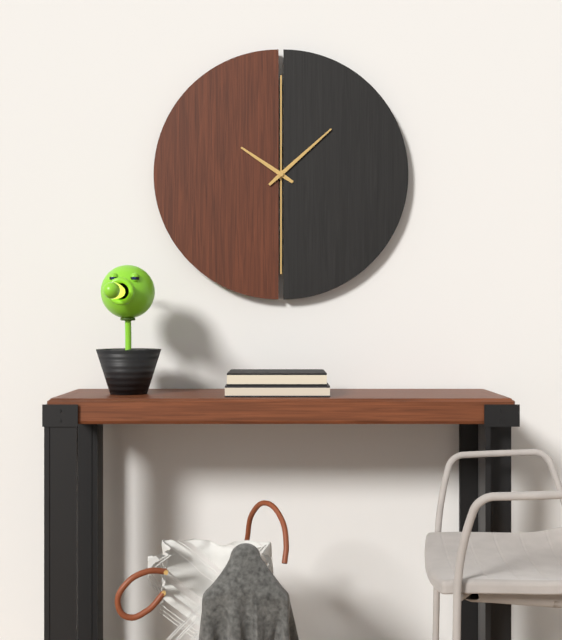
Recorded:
{"hour": 10, "minute": 8}
